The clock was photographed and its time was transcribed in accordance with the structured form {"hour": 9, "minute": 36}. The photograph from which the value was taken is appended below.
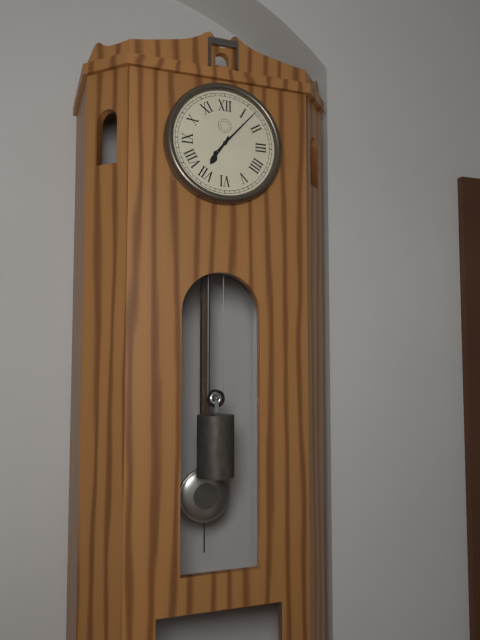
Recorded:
{"hour": 7, "minute": 7}
